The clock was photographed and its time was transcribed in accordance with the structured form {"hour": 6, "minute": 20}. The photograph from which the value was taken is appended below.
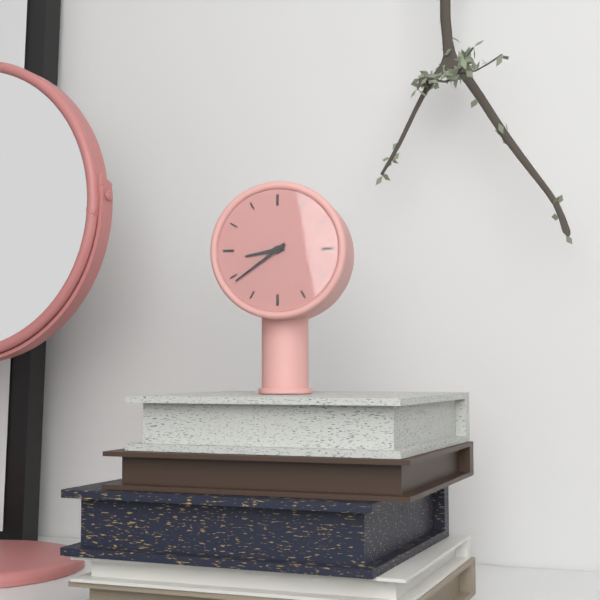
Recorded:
{"hour": 8, "minute": 39}
